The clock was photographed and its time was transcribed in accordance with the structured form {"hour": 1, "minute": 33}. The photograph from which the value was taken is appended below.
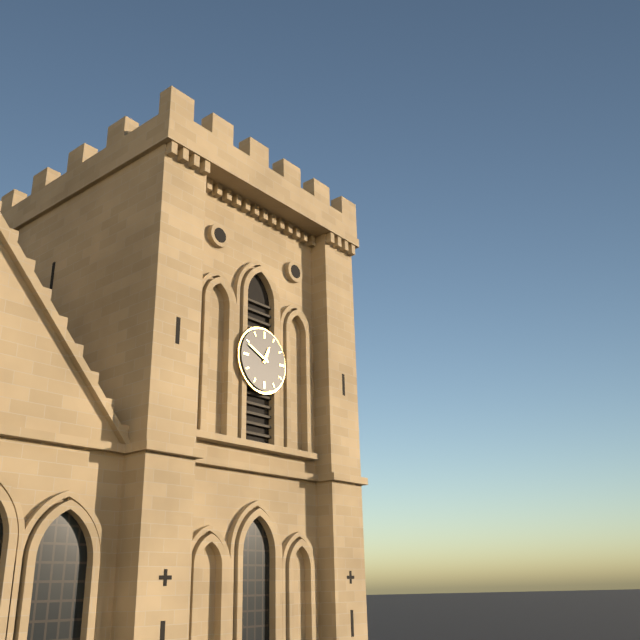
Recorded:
{"hour": 12, "minute": 49}
